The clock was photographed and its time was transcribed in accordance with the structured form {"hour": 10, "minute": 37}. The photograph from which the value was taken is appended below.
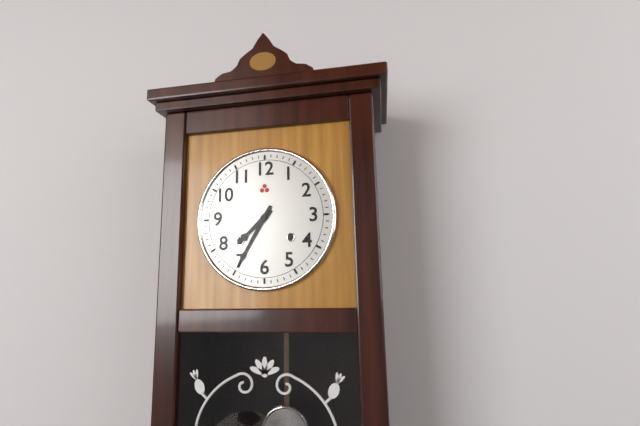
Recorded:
{"hour": 7, "minute": 35}
